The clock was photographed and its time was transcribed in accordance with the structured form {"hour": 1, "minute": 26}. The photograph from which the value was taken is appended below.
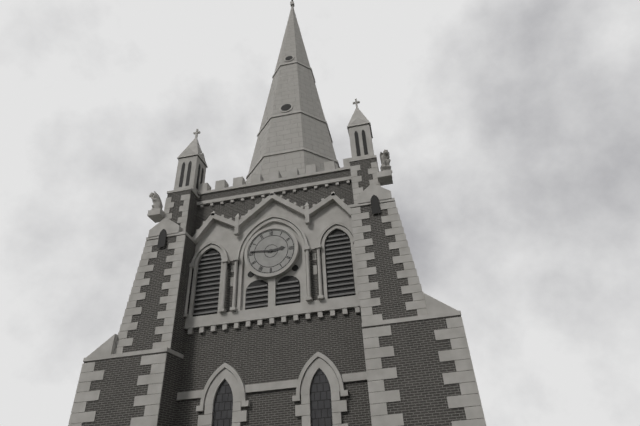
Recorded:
{"hour": 2, "minute": 46}
